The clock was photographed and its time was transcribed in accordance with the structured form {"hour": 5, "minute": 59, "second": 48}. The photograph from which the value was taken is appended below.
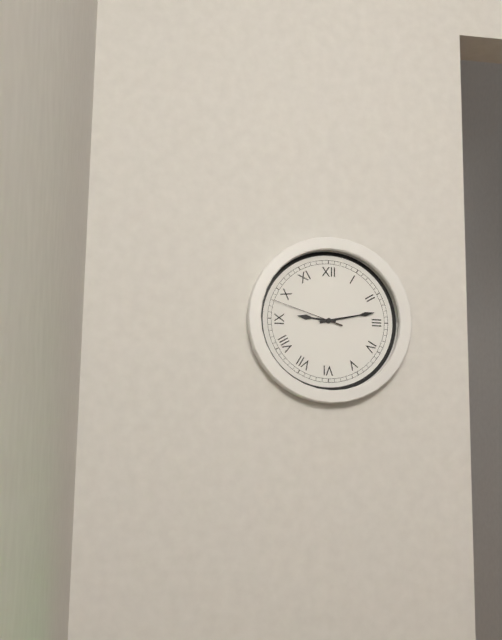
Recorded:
{"hour": 9, "minute": 13, "second": 48}
